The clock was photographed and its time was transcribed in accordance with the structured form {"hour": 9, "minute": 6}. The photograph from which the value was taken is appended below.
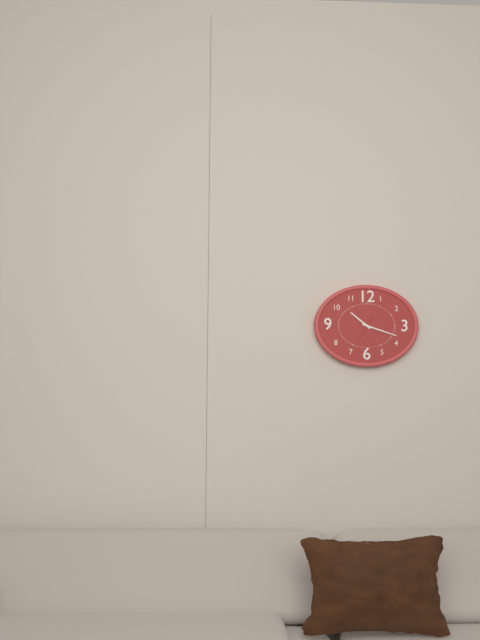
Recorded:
{"hour": 10, "minute": 18}
